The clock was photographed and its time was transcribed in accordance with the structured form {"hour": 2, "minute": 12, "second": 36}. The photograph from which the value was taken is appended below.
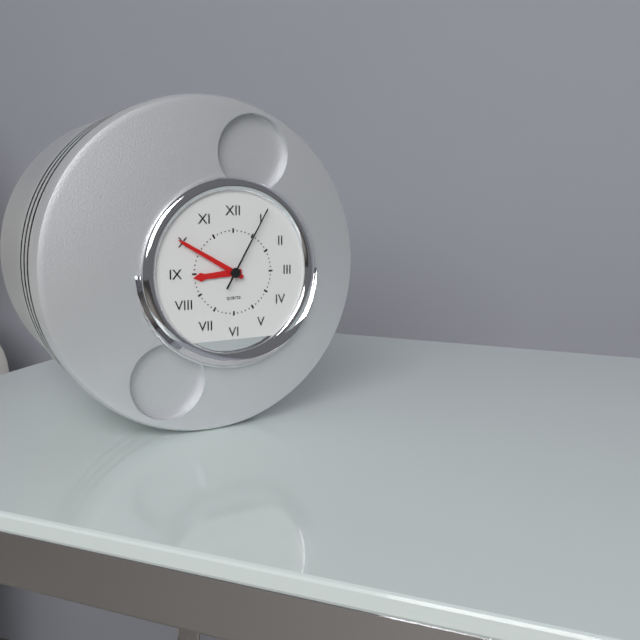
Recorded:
{"hour": 8, "minute": 50, "second": 5}
